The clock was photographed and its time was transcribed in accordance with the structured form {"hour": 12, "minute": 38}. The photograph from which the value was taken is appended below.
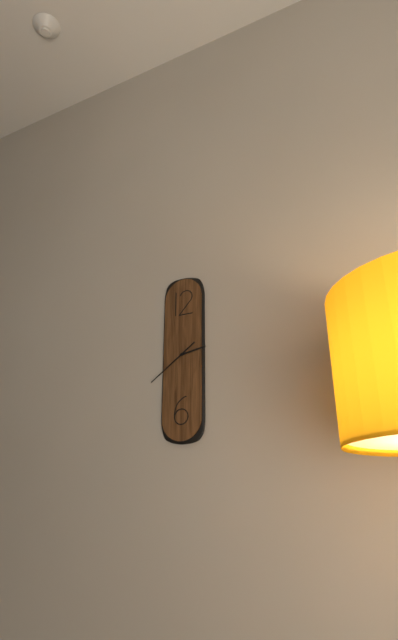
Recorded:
{"hour": 2, "minute": 39}
